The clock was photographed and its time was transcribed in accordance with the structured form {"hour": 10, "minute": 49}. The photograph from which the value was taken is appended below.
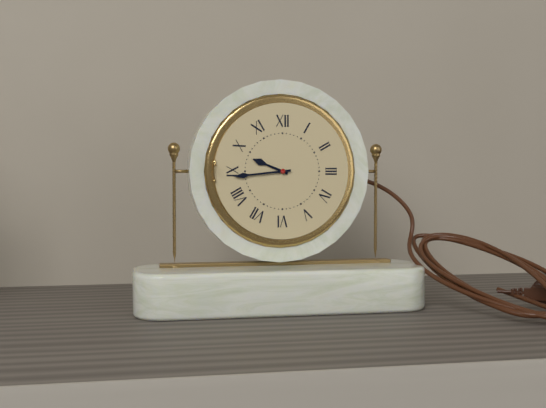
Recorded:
{"hour": 9, "minute": 44}
